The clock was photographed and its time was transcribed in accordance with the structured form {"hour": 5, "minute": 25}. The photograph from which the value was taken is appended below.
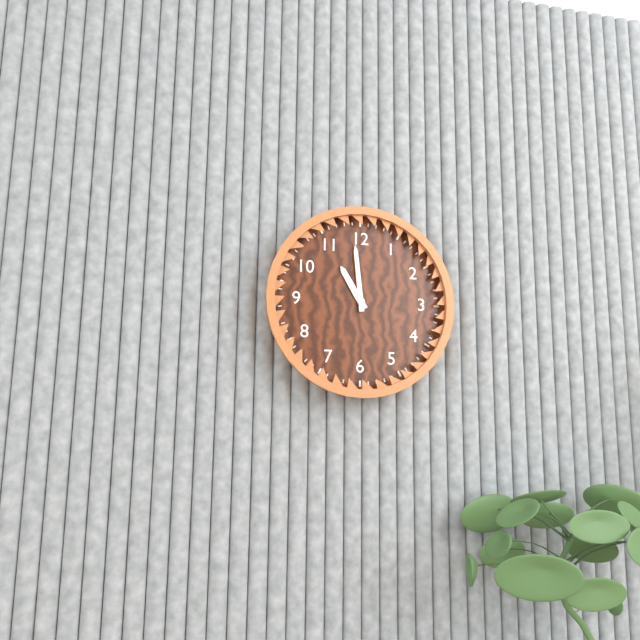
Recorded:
{"hour": 10, "minute": 59}
